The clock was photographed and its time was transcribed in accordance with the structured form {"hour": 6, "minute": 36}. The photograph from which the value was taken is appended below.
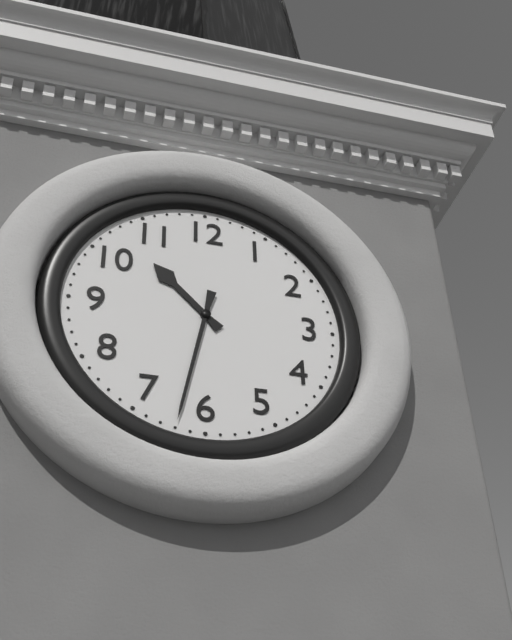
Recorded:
{"hour": 10, "minute": 32}
